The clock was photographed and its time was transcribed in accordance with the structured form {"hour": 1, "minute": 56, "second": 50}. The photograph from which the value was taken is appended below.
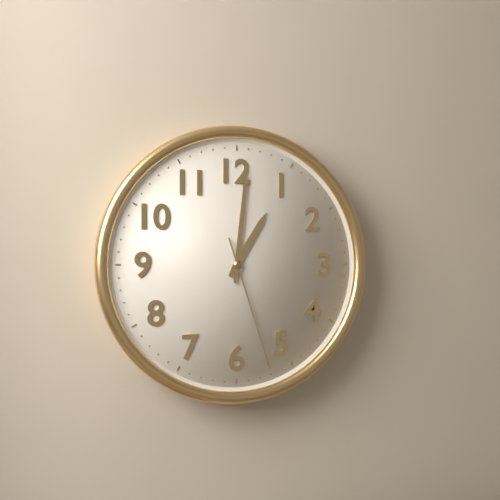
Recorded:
{"hour": 1, "minute": 1, "second": 27}
